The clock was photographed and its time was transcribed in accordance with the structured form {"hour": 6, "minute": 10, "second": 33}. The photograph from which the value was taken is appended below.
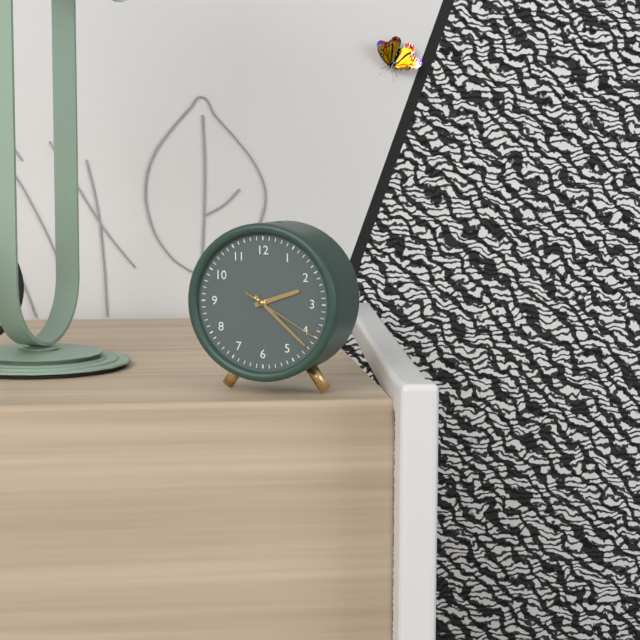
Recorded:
{"hour": 2, "minute": 22, "second": 20}
